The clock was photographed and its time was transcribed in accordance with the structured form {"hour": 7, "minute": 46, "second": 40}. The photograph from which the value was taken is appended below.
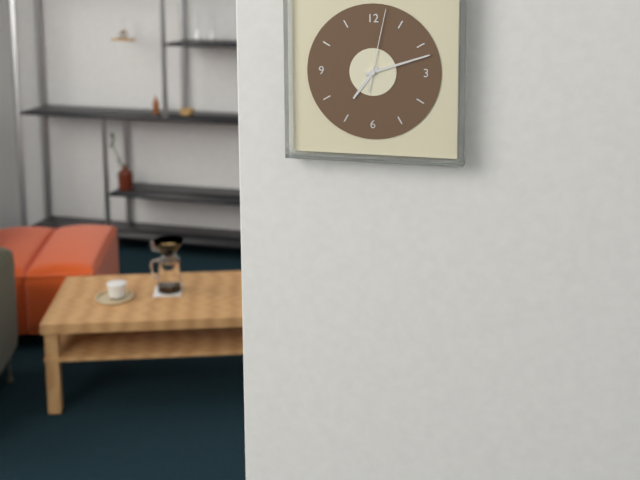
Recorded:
{"hour": 7, "minute": 12, "second": 2}
